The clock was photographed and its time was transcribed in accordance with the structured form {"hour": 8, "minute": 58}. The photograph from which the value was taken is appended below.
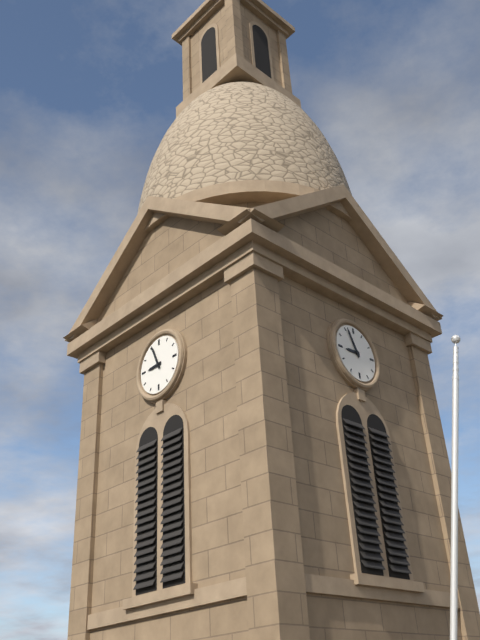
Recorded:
{"hour": 8, "minute": 56}
